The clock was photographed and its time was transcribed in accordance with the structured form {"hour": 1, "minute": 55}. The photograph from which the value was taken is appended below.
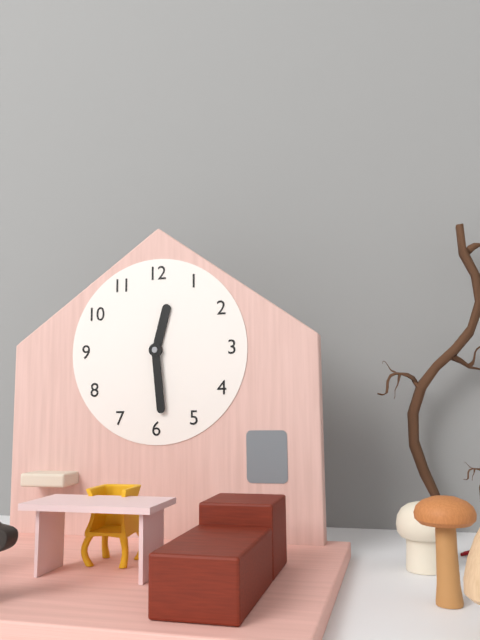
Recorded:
{"hour": 12, "minute": 29}
